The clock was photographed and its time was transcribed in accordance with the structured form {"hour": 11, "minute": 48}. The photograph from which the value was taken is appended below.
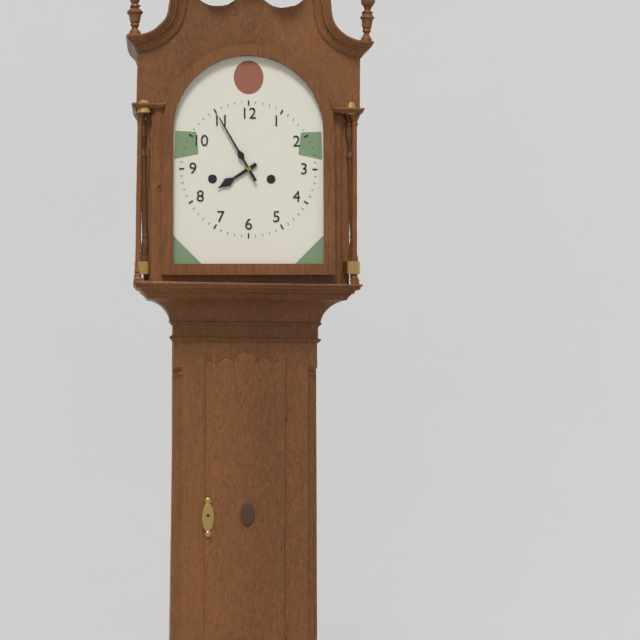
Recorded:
{"hour": 7, "minute": 55}
